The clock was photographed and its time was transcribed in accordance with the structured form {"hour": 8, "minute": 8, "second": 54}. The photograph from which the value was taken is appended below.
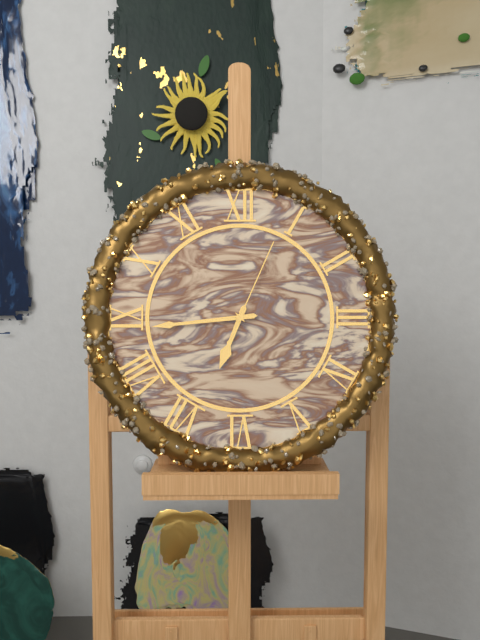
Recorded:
{"hour": 6, "minute": 44, "second": 4}
